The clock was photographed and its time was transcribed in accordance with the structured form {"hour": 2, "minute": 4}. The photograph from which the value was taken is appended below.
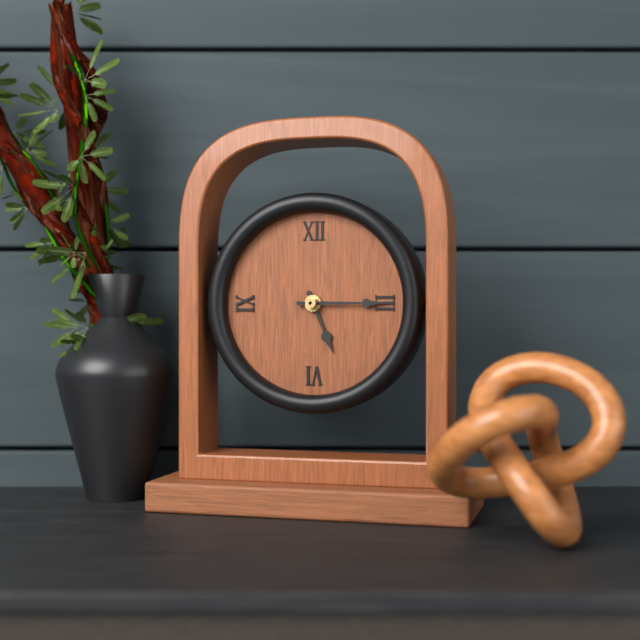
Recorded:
{"hour": 5, "minute": 15}
